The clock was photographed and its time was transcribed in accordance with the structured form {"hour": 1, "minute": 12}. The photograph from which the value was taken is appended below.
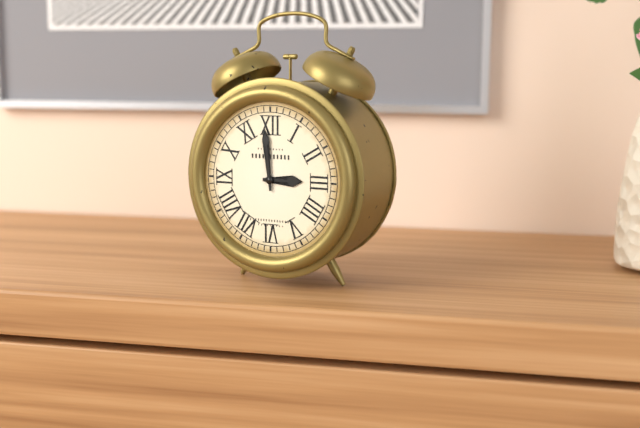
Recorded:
{"hour": 2, "minute": 59}
